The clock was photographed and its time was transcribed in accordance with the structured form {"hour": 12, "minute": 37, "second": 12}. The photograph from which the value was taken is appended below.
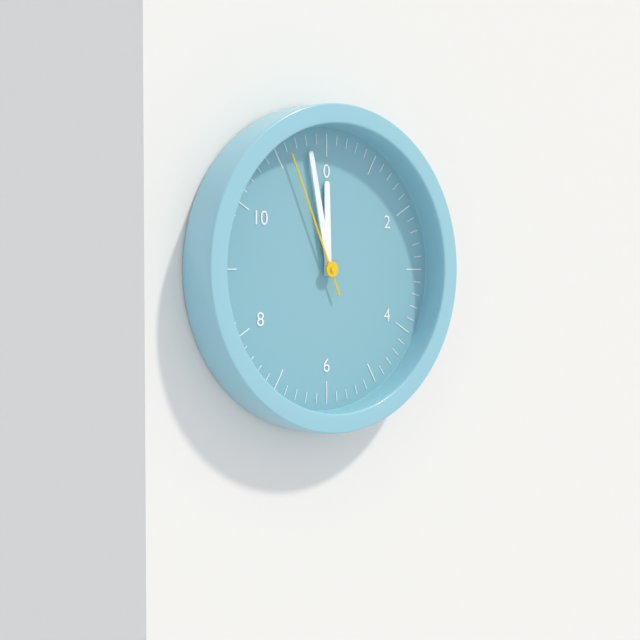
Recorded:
{"hour": 11, "minute": 58, "second": 56}
